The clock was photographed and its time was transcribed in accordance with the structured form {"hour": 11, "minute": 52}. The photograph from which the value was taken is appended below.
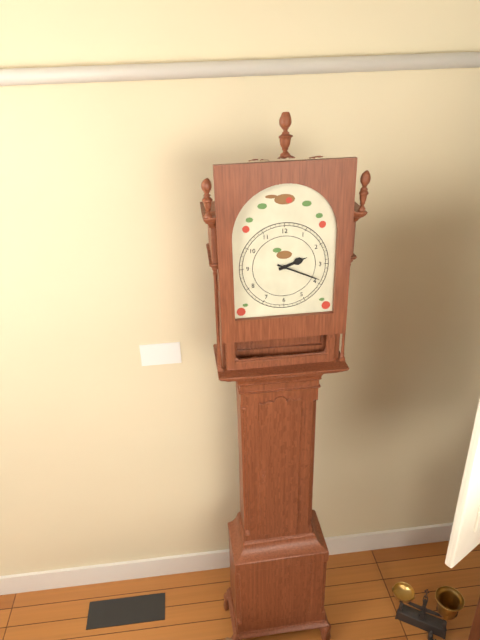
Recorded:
{"hour": 2, "minute": 19}
